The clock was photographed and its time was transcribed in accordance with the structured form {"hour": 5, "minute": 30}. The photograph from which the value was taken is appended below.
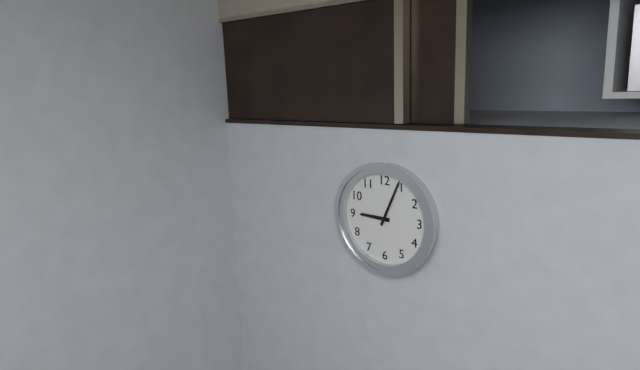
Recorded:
{"hour": 9, "minute": 4}
